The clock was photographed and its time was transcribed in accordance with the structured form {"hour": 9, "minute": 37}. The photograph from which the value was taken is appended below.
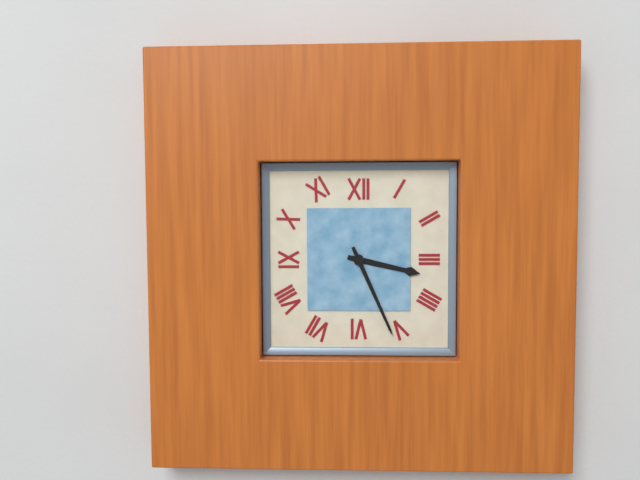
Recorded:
{"hour": 3, "minute": 26}
